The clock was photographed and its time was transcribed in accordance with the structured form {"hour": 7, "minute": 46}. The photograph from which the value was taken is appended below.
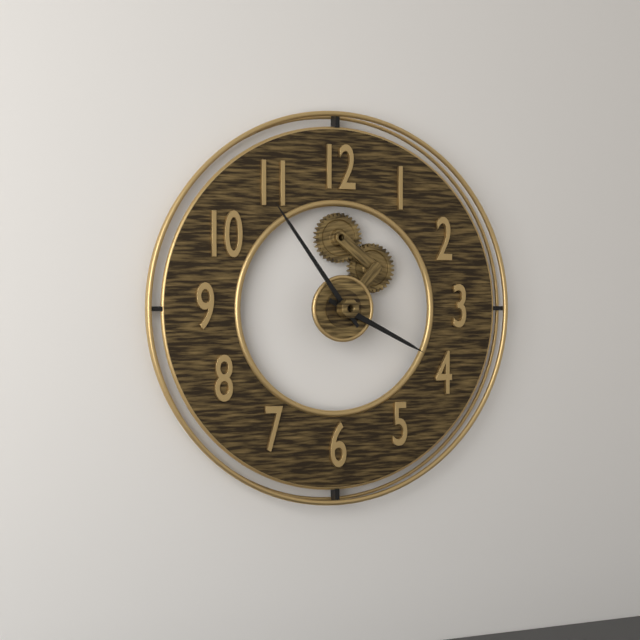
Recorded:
{"hour": 3, "minute": 54}
